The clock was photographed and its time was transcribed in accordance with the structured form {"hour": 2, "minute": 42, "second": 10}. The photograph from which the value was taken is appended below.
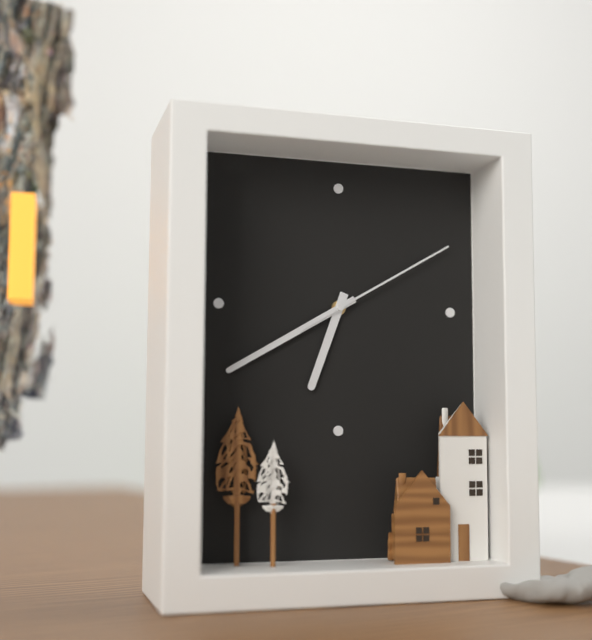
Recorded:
{"hour": 6, "minute": 40, "second": 10}
